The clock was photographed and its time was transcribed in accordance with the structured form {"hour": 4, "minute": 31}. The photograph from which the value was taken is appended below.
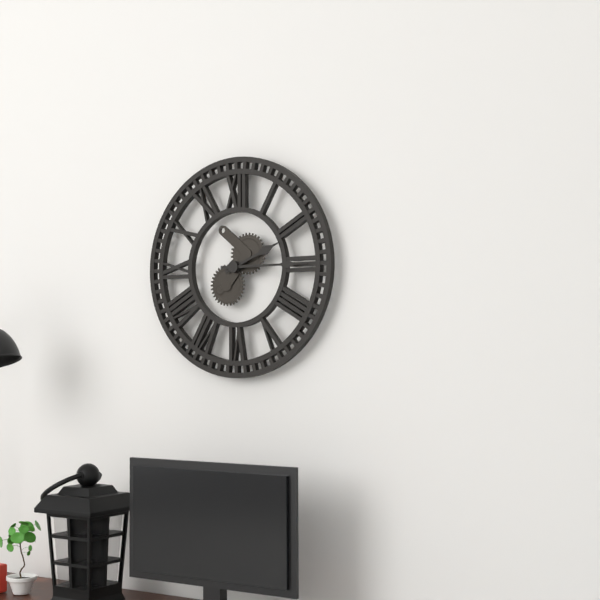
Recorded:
{"hour": 2, "minute": 15}
